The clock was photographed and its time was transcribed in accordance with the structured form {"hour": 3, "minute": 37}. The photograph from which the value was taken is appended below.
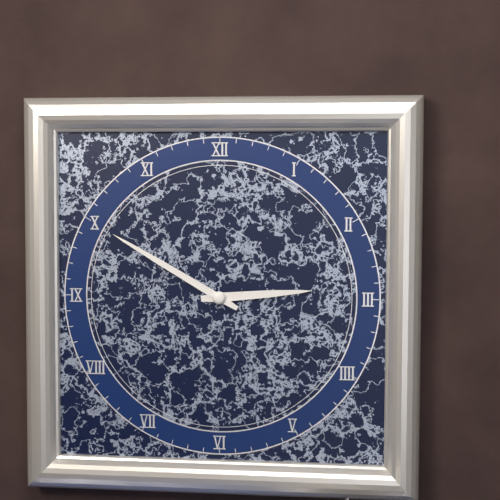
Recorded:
{"hour": 2, "minute": 50}
